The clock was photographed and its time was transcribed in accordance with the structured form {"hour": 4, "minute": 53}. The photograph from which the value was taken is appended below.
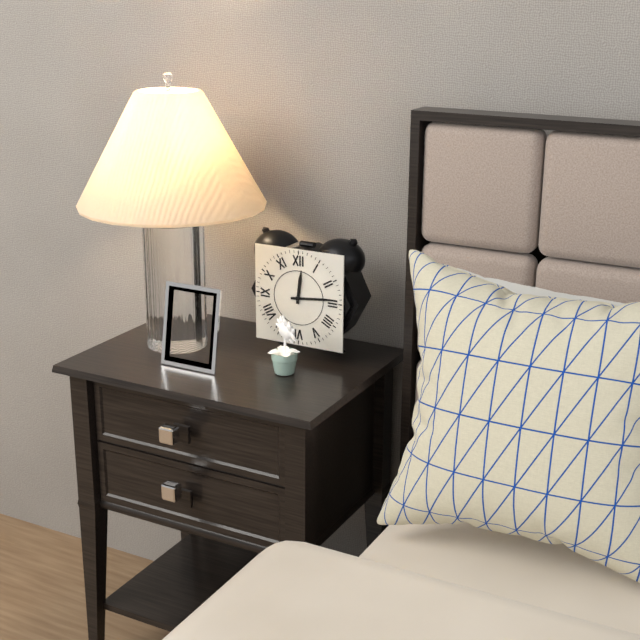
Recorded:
{"hour": 12, "minute": 14}
